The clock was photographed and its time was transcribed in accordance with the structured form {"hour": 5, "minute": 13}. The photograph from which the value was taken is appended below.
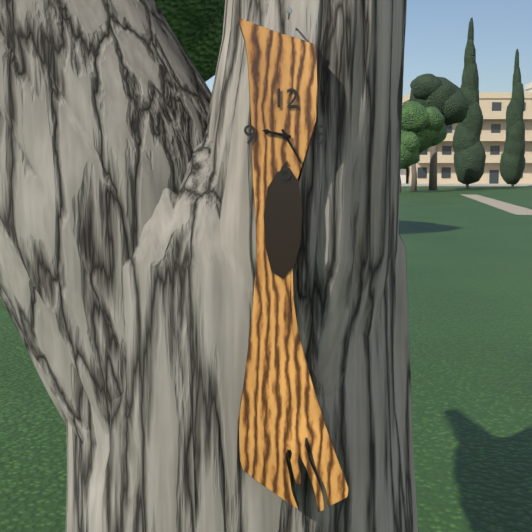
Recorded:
{"hour": 9, "minute": 25}
